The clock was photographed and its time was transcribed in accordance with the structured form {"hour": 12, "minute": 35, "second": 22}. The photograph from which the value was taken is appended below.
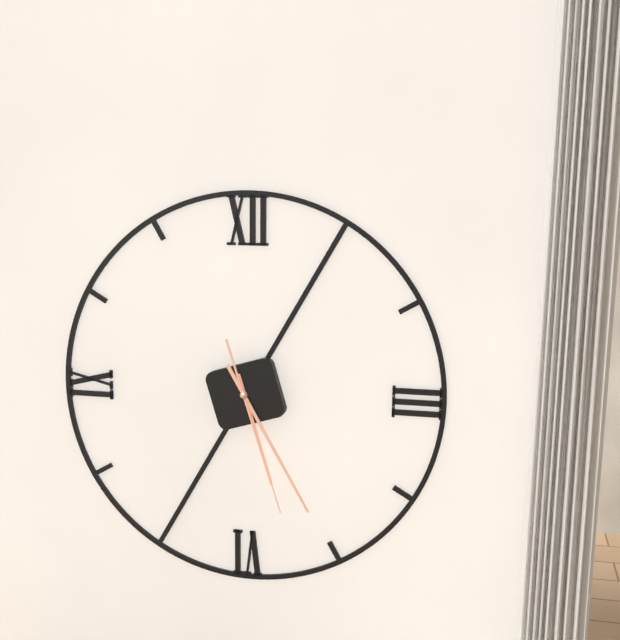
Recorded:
{"hour": 5, "minute": 25, "second": 27}
